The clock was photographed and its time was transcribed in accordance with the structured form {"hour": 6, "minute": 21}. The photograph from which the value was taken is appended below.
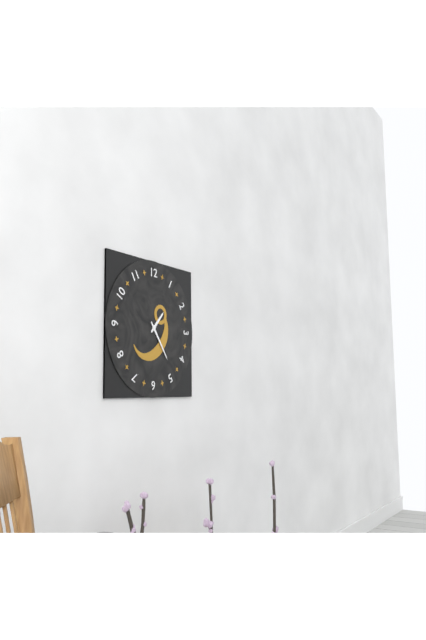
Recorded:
{"hour": 1, "minute": 24}
